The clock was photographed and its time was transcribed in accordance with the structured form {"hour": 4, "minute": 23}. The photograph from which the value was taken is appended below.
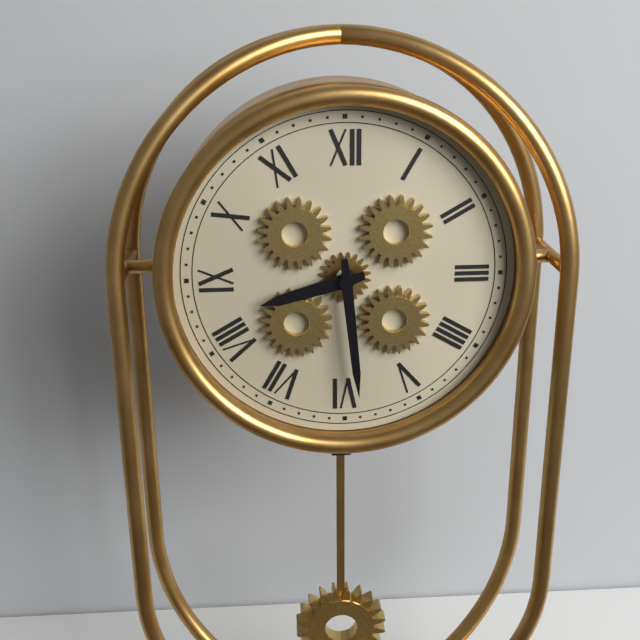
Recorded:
{"hour": 8, "minute": 29}
